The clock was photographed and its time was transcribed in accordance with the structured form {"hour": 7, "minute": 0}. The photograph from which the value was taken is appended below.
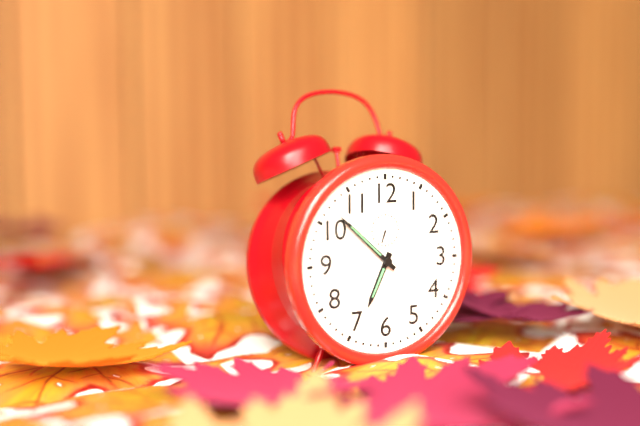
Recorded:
{"hour": 6, "minute": 52}
